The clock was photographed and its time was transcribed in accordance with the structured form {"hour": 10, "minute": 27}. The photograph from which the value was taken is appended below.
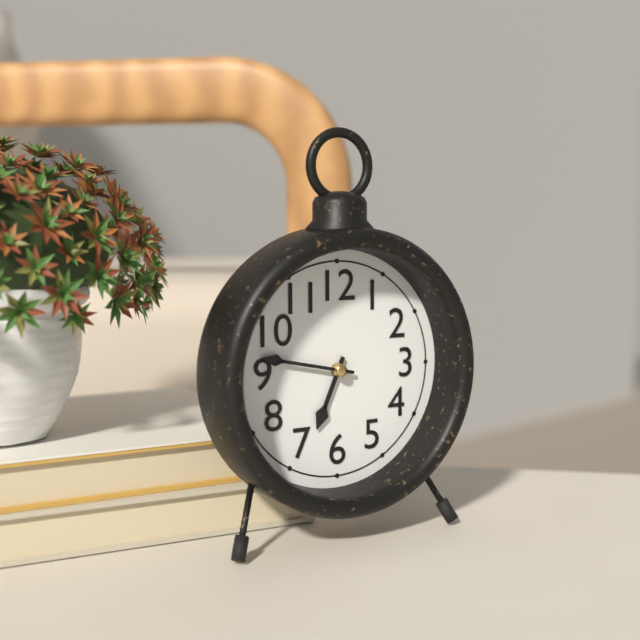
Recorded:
{"hour": 6, "minute": 47}
